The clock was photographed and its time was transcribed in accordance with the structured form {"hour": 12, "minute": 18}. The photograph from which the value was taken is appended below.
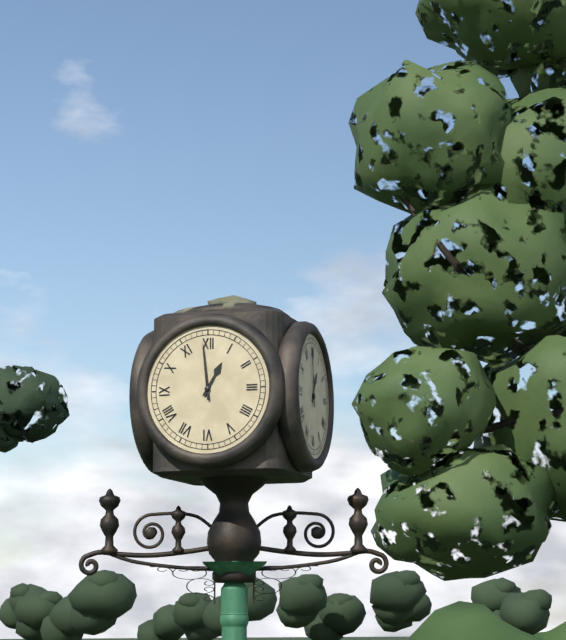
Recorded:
{"hour": 12, "minute": 59}
